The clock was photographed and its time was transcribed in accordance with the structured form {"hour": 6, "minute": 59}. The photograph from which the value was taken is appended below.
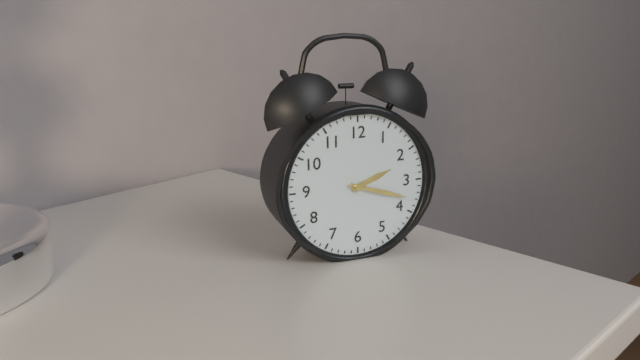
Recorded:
{"hour": 2, "minute": 18}
